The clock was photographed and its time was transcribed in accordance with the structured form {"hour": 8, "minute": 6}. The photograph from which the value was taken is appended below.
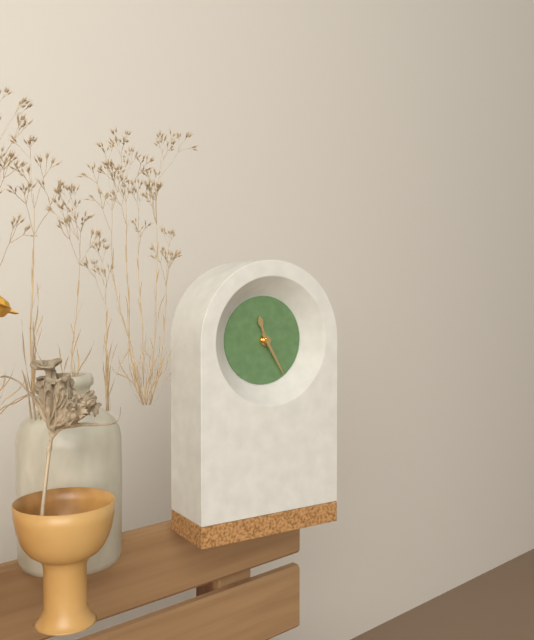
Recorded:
{"hour": 11, "minute": 25}
